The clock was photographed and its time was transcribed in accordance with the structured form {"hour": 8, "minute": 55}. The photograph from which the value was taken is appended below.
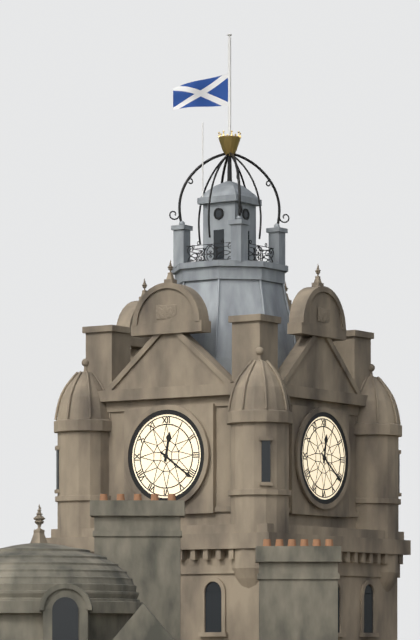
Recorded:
{"hour": 12, "minute": 21}
